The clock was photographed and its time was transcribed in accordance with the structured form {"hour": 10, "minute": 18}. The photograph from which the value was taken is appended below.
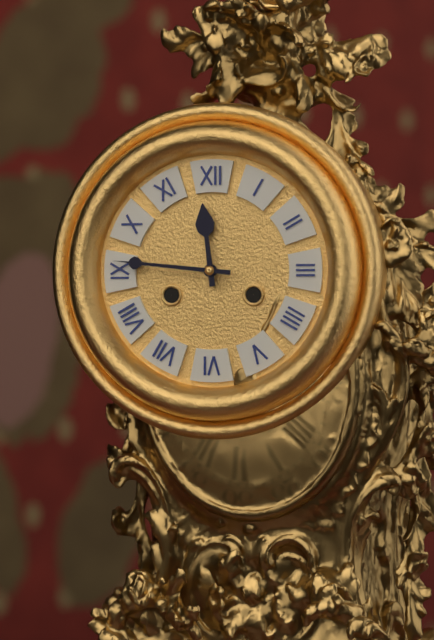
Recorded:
{"hour": 11, "minute": 46}
